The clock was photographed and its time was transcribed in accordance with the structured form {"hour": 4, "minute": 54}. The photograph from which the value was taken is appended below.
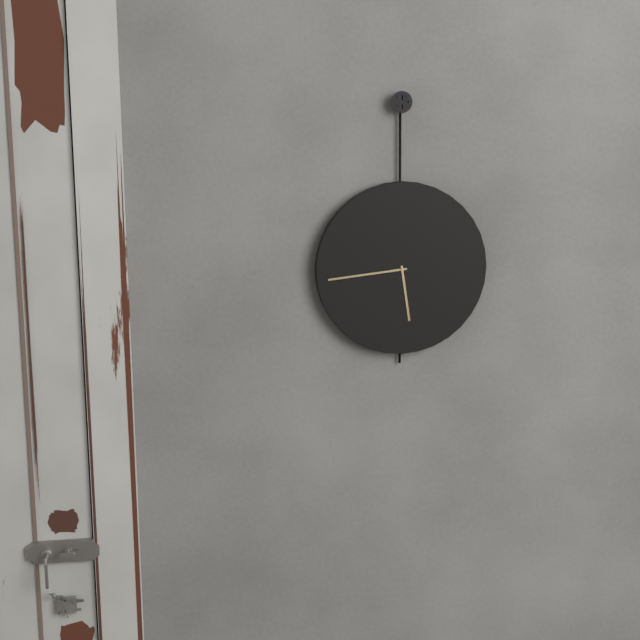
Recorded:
{"hour": 5, "minute": 44}
